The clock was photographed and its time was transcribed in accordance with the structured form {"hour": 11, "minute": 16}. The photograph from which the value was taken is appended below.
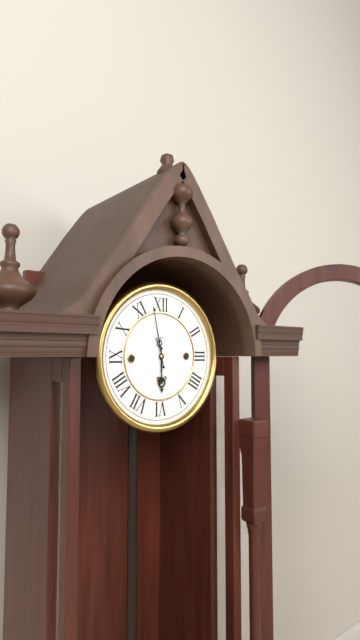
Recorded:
{"hour": 5, "minute": 58}
